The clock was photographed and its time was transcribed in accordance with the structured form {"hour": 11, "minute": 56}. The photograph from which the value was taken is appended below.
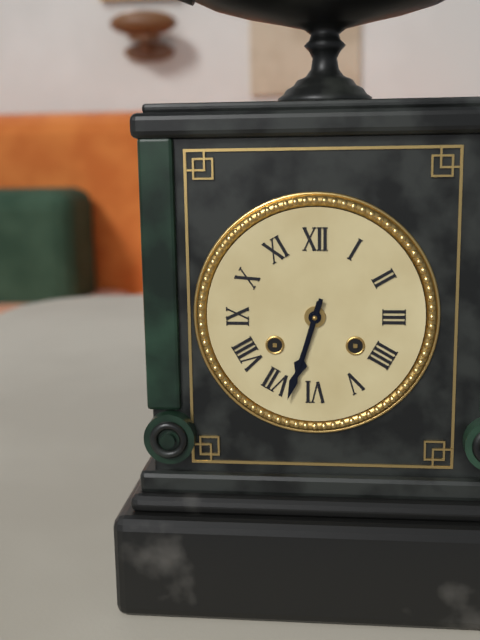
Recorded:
{"hour": 6, "minute": 33}
